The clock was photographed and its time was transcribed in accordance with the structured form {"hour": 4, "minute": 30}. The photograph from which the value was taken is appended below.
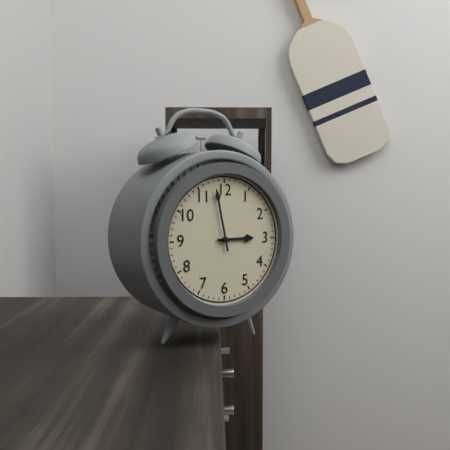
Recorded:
{"hour": 2, "minute": 58}
